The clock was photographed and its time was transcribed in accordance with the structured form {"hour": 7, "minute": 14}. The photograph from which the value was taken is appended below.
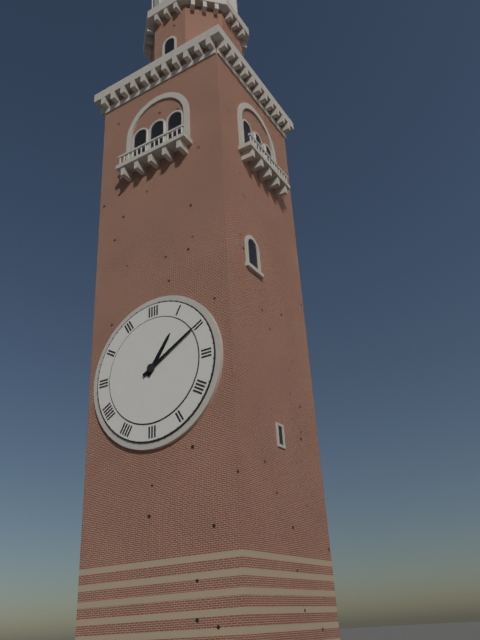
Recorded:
{"hour": 1, "minute": 10}
